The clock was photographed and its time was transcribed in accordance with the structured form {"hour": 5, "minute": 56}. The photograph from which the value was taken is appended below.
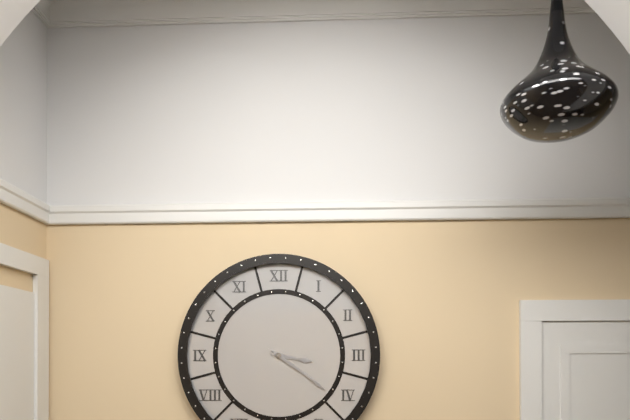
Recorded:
{"hour": 3, "minute": 21}
